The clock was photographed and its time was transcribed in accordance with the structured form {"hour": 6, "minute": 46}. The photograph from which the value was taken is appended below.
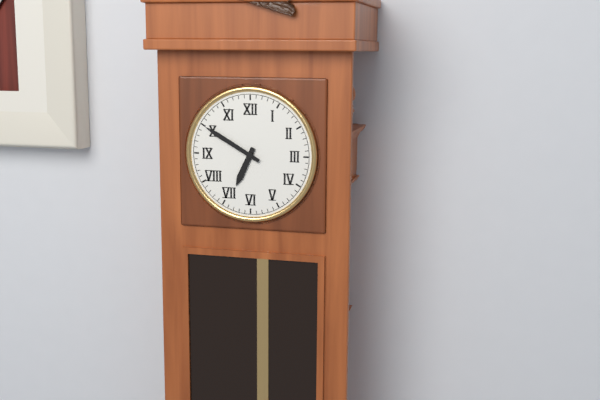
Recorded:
{"hour": 6, "minute": 50}
